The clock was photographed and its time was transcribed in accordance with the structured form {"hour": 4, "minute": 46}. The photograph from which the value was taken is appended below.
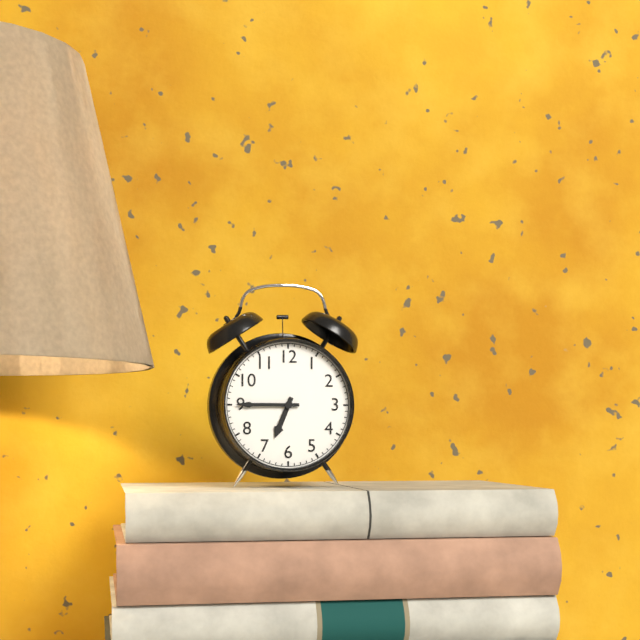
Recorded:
{"hour": 6, "minute": 45}
